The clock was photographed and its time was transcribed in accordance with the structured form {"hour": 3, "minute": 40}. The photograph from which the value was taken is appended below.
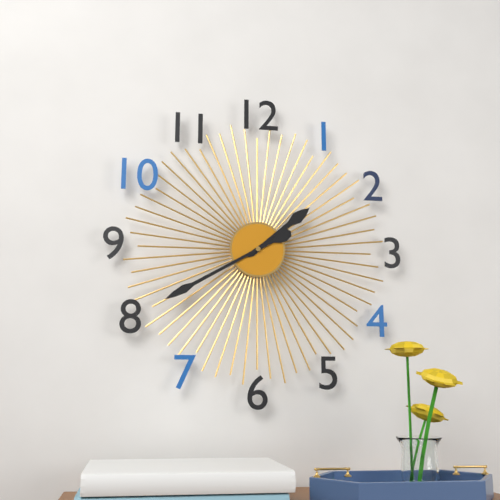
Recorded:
{"hour": 1, "minute": 40}
